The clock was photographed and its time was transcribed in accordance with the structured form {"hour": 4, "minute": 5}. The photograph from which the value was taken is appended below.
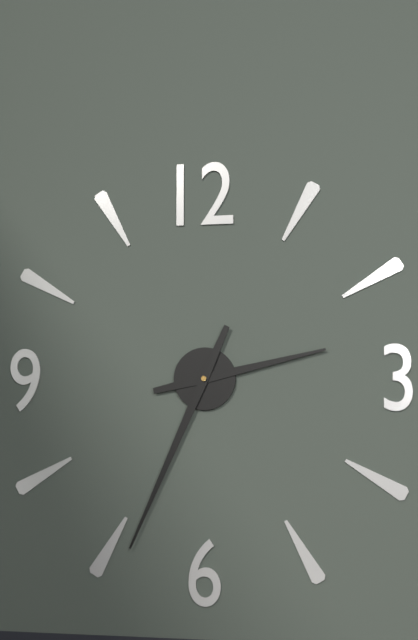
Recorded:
{"hour": 2, "minute": 34}
